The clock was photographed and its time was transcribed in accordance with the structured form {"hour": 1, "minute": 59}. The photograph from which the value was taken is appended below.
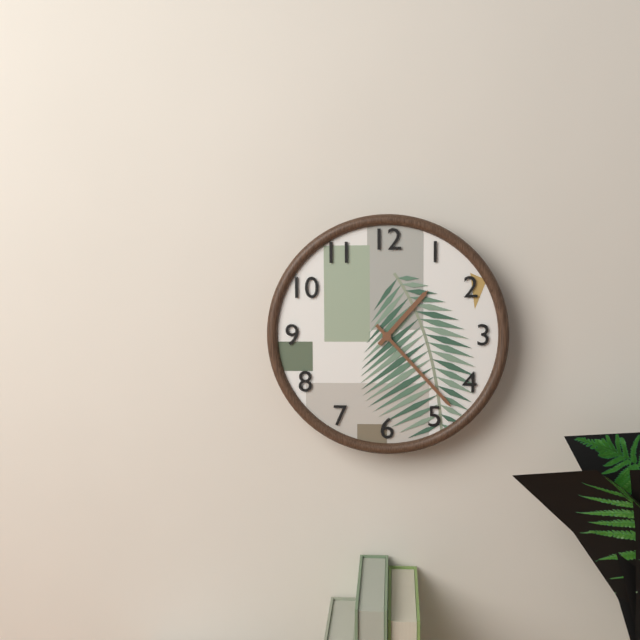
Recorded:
{"hour": 1, "minute": 23}
